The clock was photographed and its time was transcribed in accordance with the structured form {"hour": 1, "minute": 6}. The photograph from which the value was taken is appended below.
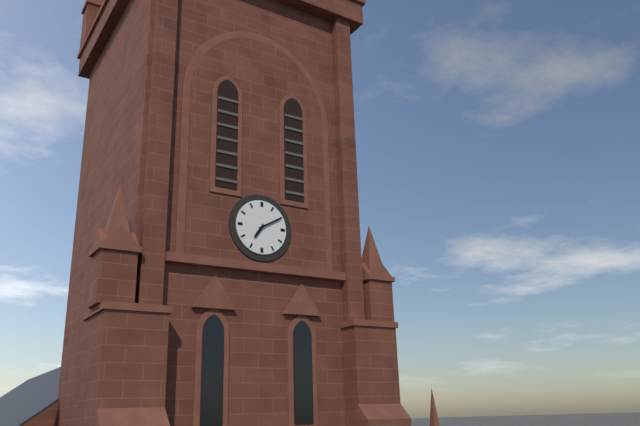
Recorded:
{"hour": 7, "minute": 10}
